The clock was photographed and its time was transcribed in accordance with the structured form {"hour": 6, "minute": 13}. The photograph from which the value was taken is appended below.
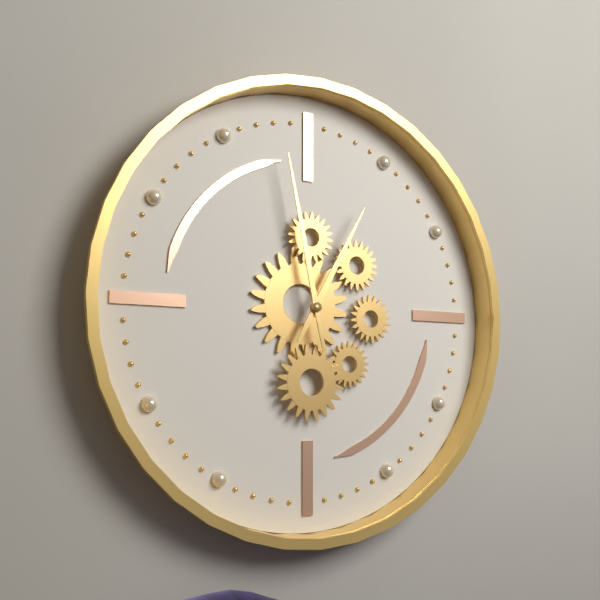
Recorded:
{"hour": 12, "minute": 58}
